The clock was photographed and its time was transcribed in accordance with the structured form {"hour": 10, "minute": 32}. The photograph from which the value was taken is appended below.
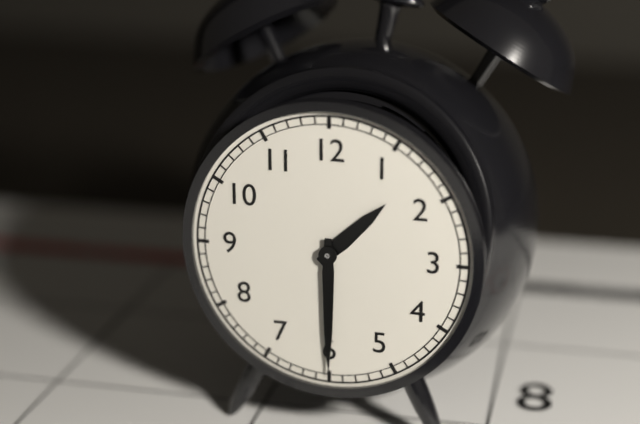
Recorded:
{"hour": 1, "minute": 30}
